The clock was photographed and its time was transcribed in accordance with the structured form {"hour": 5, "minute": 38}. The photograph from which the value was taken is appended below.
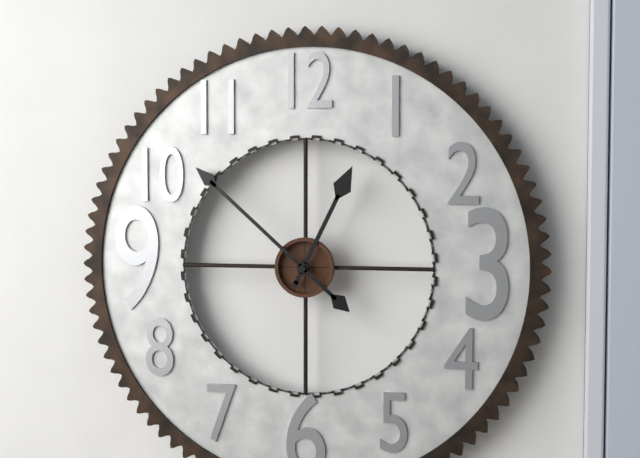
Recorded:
{"hour": 12, "minute": 52}
